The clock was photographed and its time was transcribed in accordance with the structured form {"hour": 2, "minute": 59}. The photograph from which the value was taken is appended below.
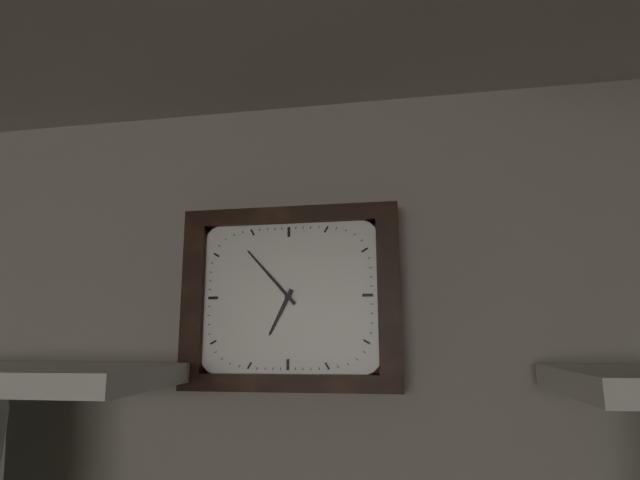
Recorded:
{"hour": 6, "minute": 53}
